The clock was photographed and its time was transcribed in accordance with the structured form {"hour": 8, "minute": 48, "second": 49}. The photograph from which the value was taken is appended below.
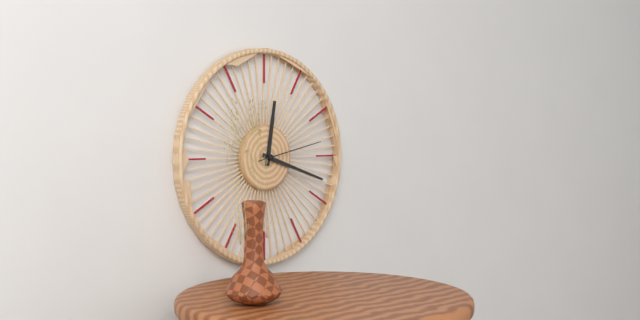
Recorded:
{"hour": 12, "minute": 18, "second": 13}
